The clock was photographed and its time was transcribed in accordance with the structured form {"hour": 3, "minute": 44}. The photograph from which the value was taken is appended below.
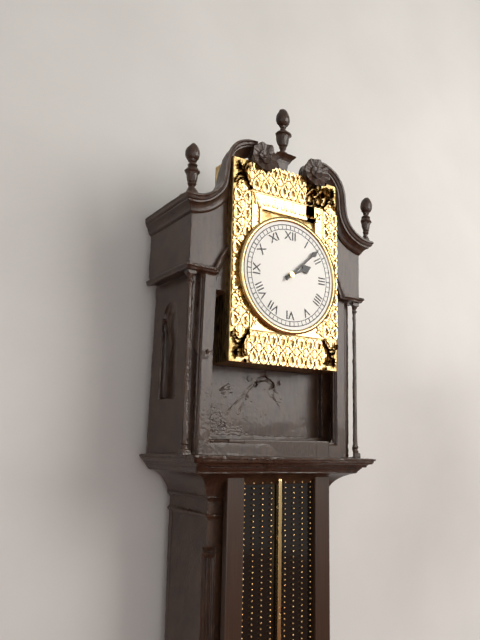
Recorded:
{"hour": 2, "minute": 8}
